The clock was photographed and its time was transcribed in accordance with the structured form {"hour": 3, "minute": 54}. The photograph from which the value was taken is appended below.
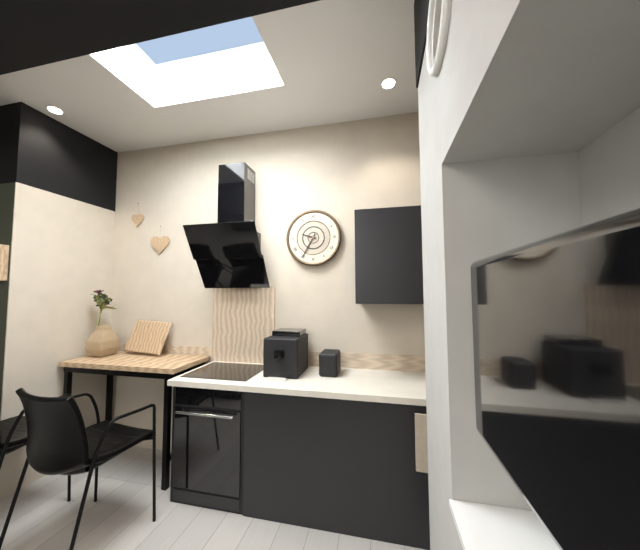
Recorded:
{"hour": 9, "minute": 35}
